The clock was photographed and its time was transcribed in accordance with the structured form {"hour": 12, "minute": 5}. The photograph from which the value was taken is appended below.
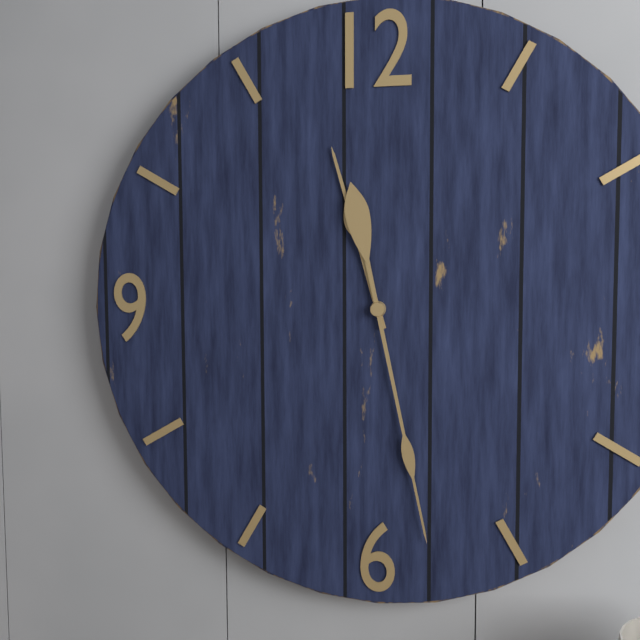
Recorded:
{"hour": 11, "minute": 28}
